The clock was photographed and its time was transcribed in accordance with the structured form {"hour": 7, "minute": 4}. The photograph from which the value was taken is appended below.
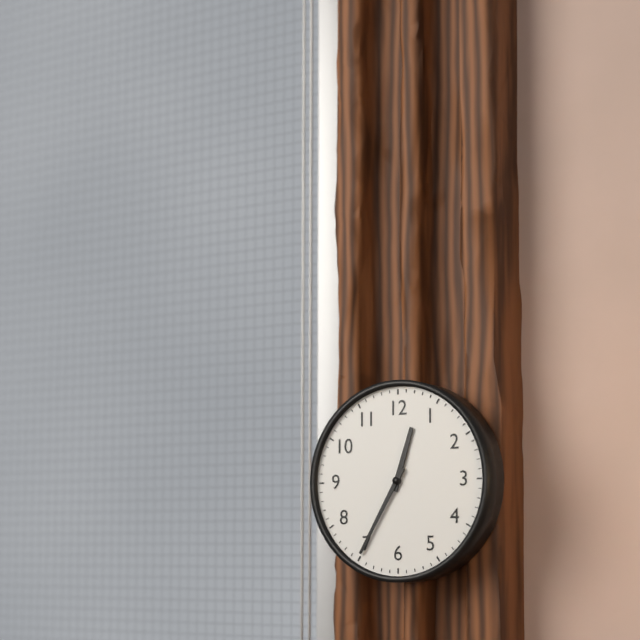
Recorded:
{"hour": 12, "minute": 35}
